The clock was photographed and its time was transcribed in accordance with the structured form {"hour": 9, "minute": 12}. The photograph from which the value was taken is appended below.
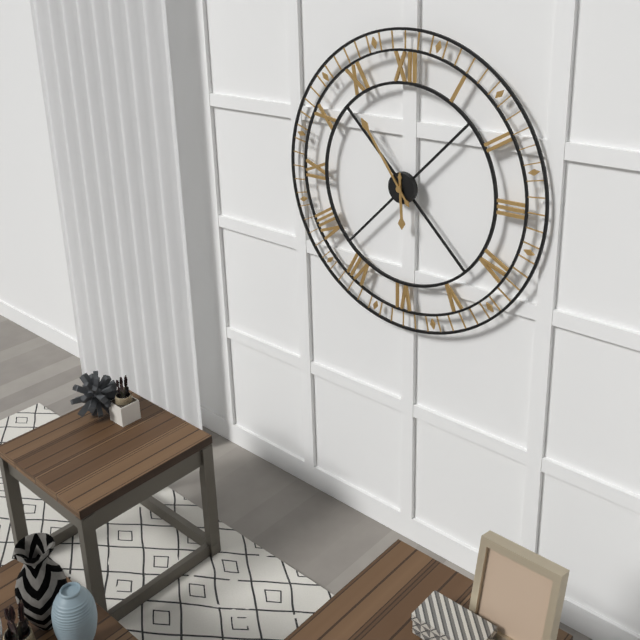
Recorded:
{"hour": 5, "minute": 54}
